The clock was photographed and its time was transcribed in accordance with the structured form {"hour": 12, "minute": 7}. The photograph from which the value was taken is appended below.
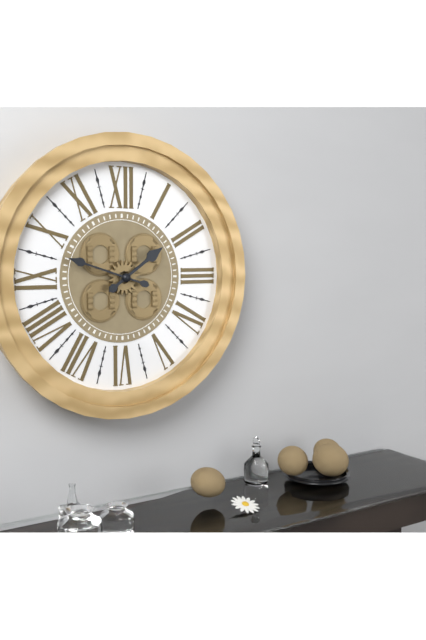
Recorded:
{"hour": 1, "minute": 48}
